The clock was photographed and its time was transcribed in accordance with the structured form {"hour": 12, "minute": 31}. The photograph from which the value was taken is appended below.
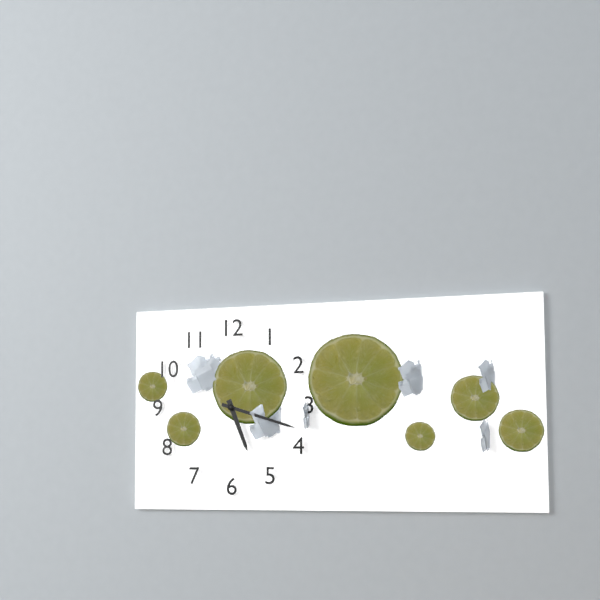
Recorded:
{"hour": 5, "minute": 18}
